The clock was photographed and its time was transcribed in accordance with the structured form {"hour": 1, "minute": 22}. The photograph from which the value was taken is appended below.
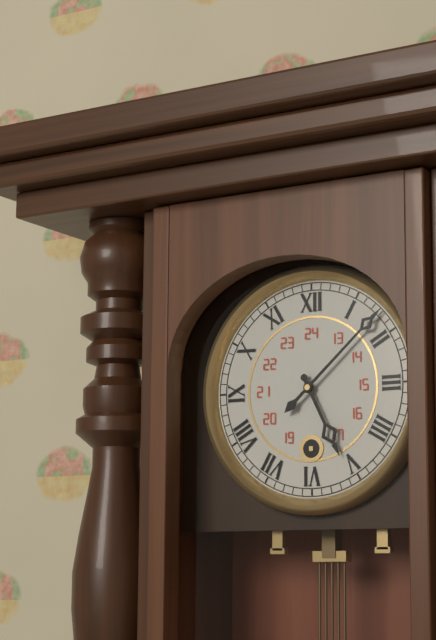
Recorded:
{"hour": 5, "minute": 8}
